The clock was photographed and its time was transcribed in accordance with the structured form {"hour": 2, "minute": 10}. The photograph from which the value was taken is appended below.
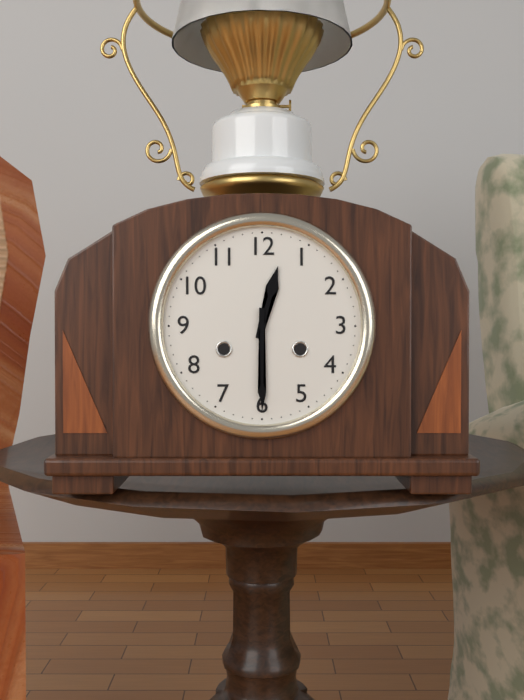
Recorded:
{"hour": 12, "minute": 30}
